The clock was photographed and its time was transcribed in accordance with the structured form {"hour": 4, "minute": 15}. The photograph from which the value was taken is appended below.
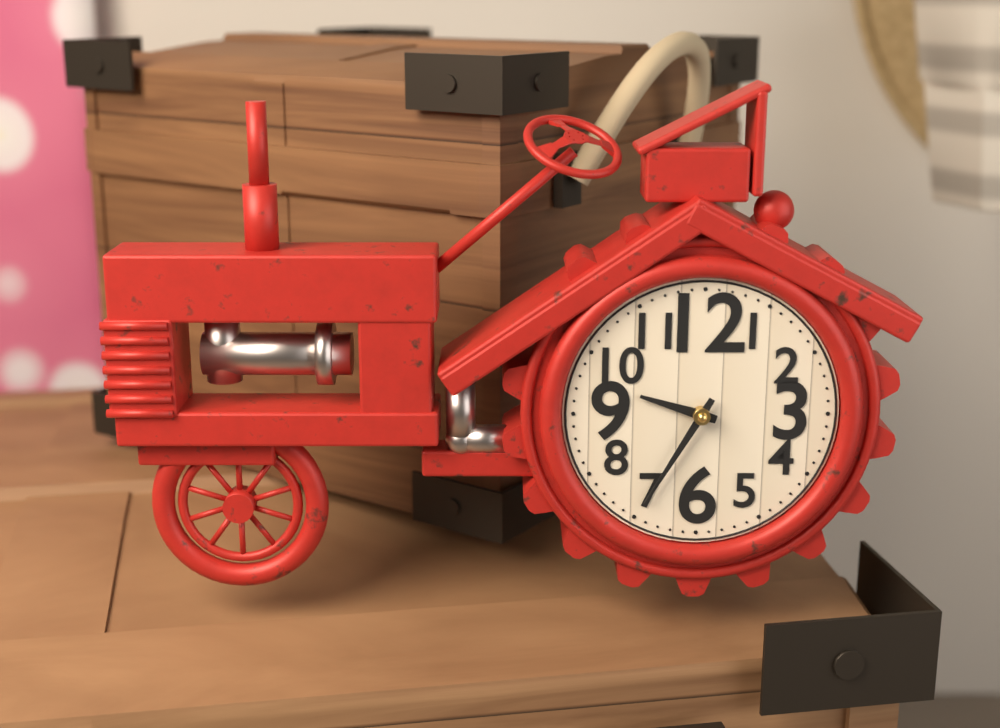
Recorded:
{"hour": 9, "minute": 35}
